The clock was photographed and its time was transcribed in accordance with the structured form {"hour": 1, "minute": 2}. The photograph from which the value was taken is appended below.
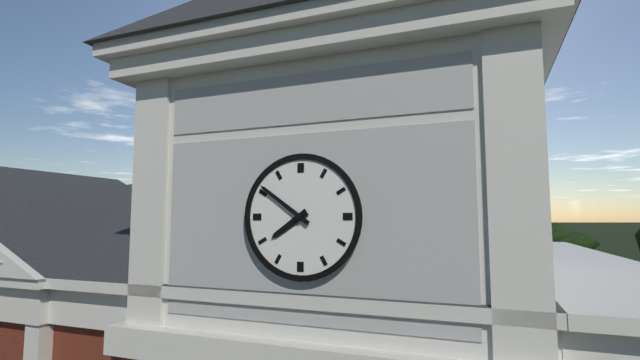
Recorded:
{"hour": 7, "minute": 51}
